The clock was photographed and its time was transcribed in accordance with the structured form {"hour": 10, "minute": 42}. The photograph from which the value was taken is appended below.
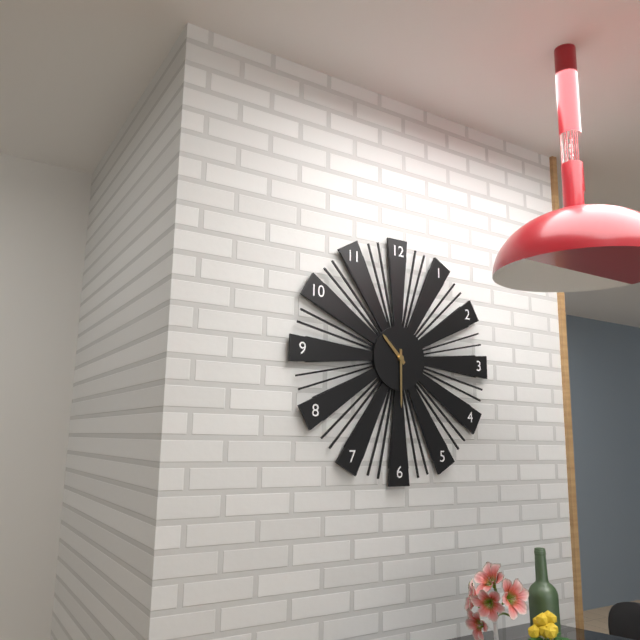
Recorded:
{"hour": 10, "minute": 30}
